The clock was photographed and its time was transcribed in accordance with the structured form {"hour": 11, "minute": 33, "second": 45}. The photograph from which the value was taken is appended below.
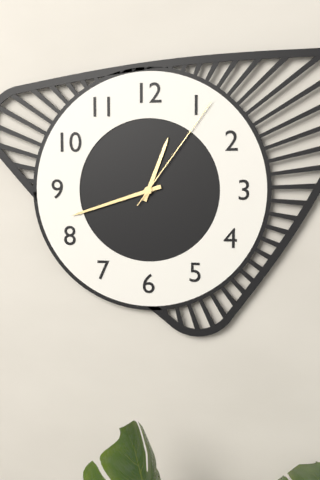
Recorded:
{"hour": 12, "minute": 42, "second": 6}
